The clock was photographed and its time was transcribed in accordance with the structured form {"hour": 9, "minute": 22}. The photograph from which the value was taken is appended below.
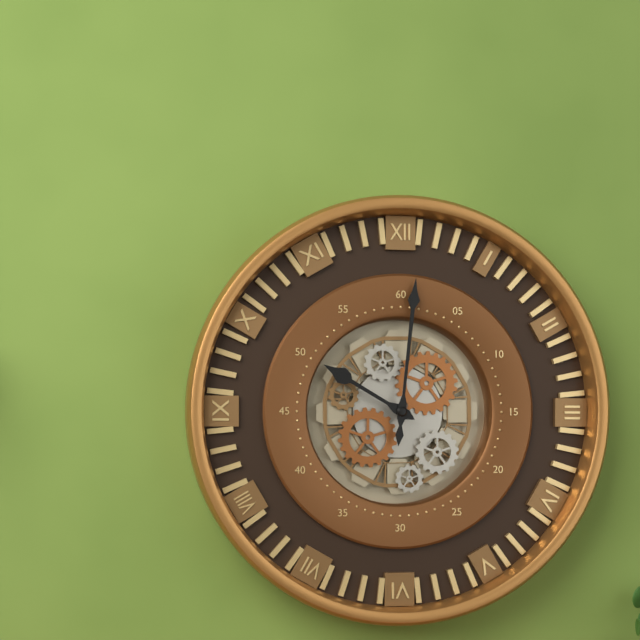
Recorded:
{"hour": 10, "minute": 1}
